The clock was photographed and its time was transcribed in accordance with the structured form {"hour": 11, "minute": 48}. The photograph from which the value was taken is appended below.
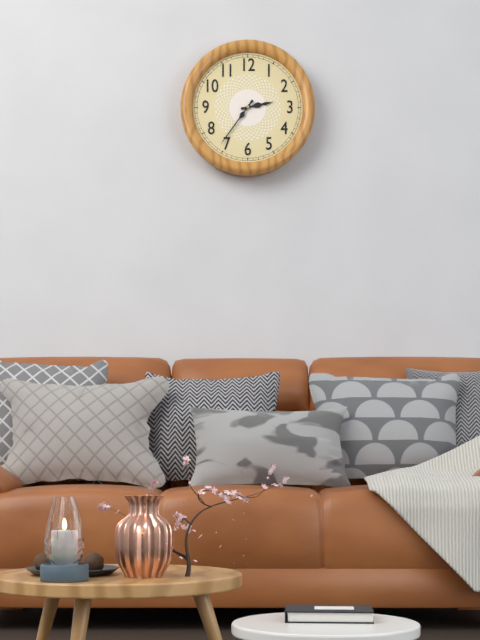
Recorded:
{"hour": 2, "minute": 36}
